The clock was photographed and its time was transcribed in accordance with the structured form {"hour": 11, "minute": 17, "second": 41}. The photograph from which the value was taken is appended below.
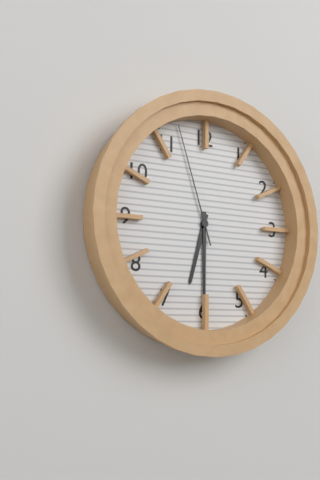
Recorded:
{"hour": 6, "minute": 30, "second": 57}
